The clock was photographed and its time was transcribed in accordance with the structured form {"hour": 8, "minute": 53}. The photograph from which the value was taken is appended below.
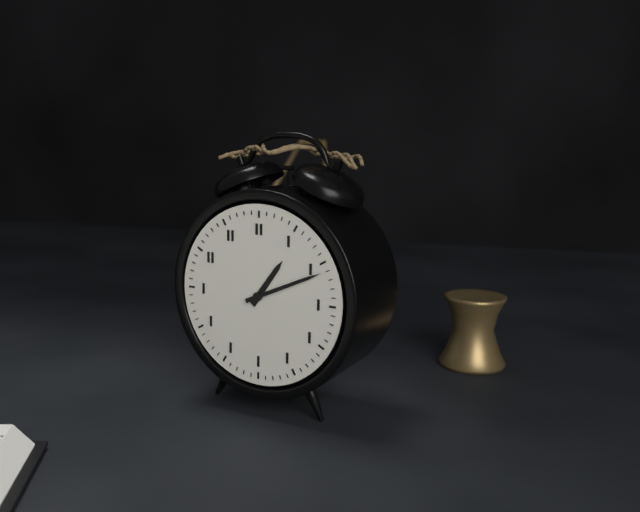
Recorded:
{"hour": 1, "minute": 11}
